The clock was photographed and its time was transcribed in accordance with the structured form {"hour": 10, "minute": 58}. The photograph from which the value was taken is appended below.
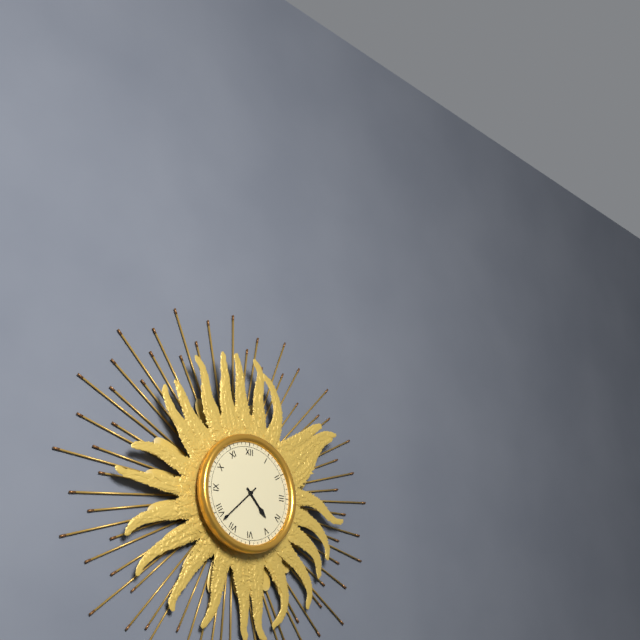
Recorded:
{"hour": 4, "minute": 38}
